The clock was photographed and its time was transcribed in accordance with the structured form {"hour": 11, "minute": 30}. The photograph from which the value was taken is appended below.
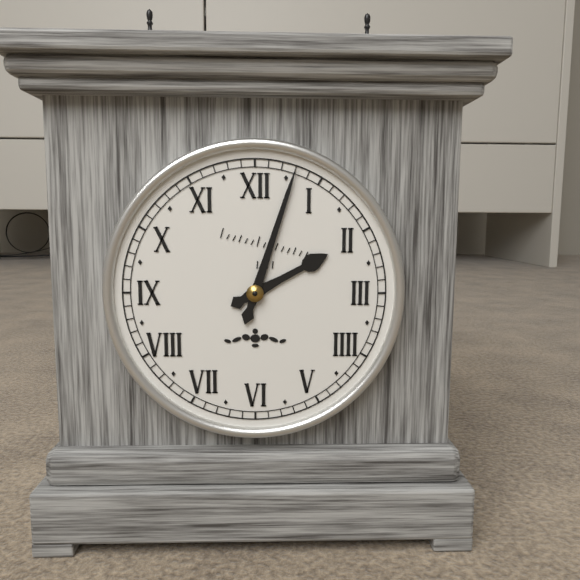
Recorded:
{"hour": 2, "minute": 3}
